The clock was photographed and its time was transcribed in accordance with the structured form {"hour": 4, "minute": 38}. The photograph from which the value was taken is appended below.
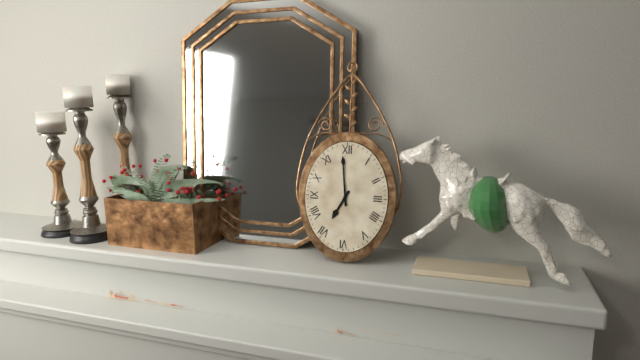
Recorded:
{"hour": 6, "minute": 59}
